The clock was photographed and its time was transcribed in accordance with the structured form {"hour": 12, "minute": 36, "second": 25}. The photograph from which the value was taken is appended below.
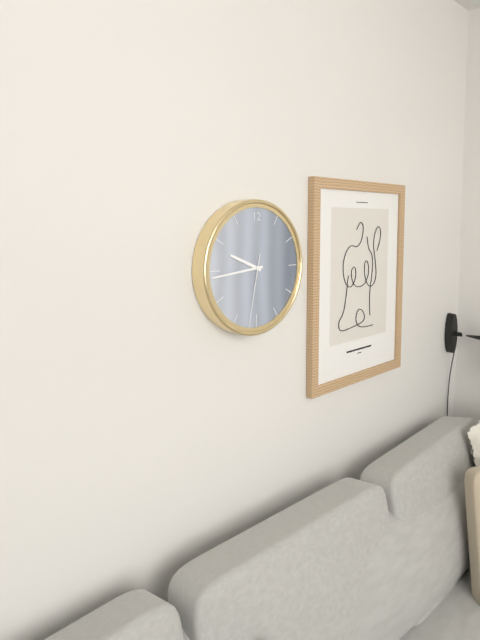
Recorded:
{"hour": 9, "minute": 44, "second": 32}
